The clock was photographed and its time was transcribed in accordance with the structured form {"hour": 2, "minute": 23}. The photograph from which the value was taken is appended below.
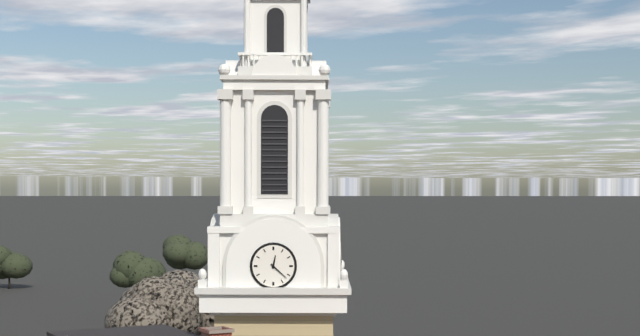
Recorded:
{"hour": 12, "minute": 22}
